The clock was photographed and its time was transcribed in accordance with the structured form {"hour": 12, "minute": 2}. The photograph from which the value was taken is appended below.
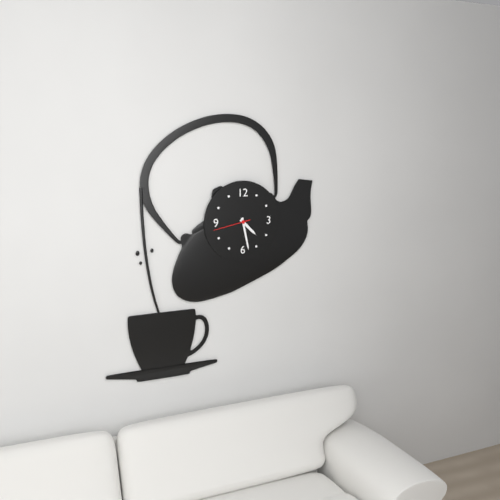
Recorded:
{"hour": 4, "minute": 28}
